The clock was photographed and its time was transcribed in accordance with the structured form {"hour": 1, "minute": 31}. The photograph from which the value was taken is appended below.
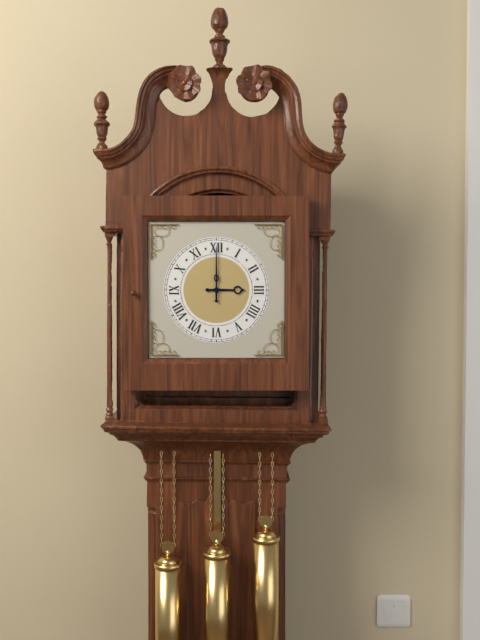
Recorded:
{"hour": 3, "minute": 0}
